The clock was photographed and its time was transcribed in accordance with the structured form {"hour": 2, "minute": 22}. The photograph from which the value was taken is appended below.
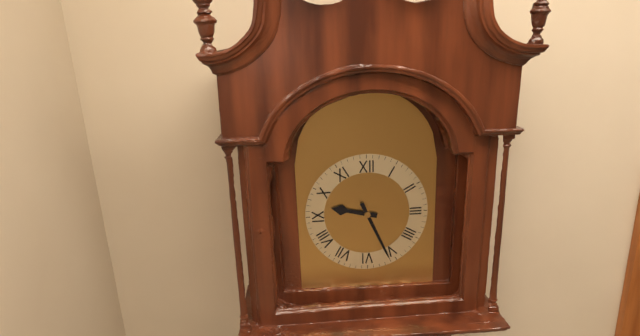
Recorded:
{"hour": 9, "minute": 26}
